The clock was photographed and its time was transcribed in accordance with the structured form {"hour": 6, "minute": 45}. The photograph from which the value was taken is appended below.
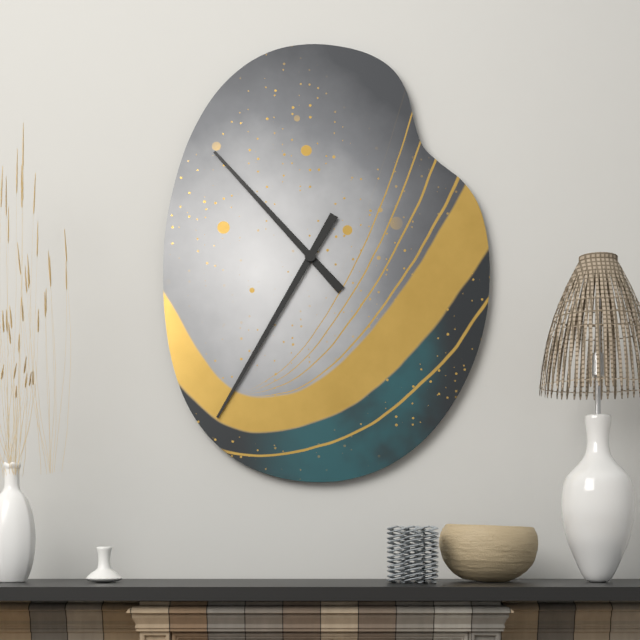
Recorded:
{"hour": 10, "minute": 35}
